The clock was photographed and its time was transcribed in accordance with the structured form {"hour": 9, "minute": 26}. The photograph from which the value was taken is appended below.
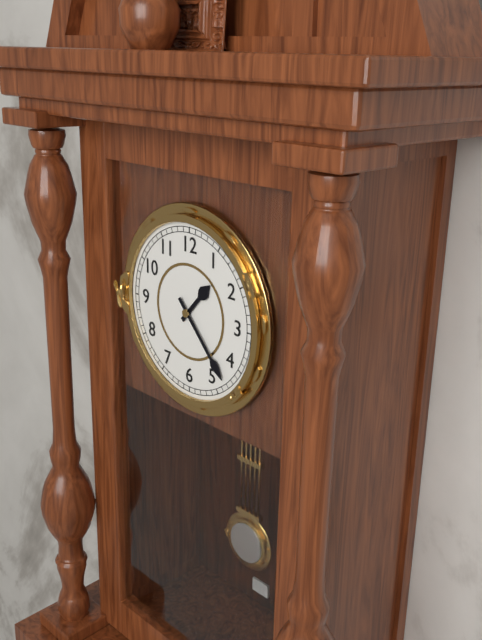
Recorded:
{"hour": 1, "minute": 23}
